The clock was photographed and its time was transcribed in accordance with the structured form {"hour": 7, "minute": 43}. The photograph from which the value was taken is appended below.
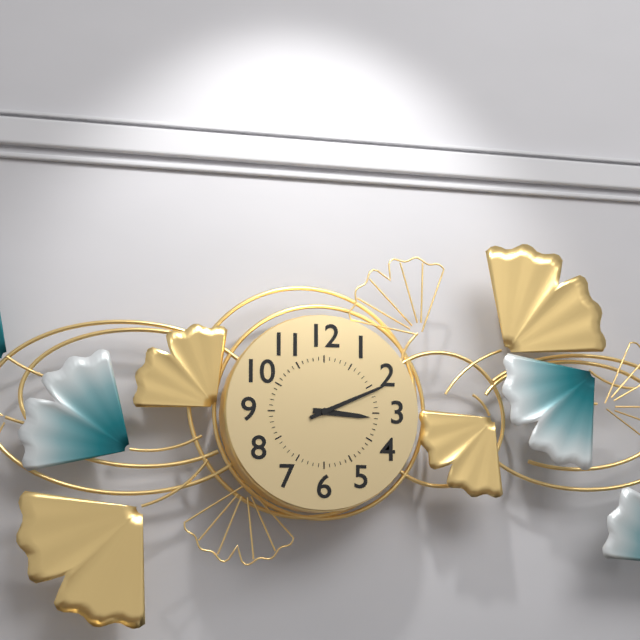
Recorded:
{"hour": 3, "minute": 11}
